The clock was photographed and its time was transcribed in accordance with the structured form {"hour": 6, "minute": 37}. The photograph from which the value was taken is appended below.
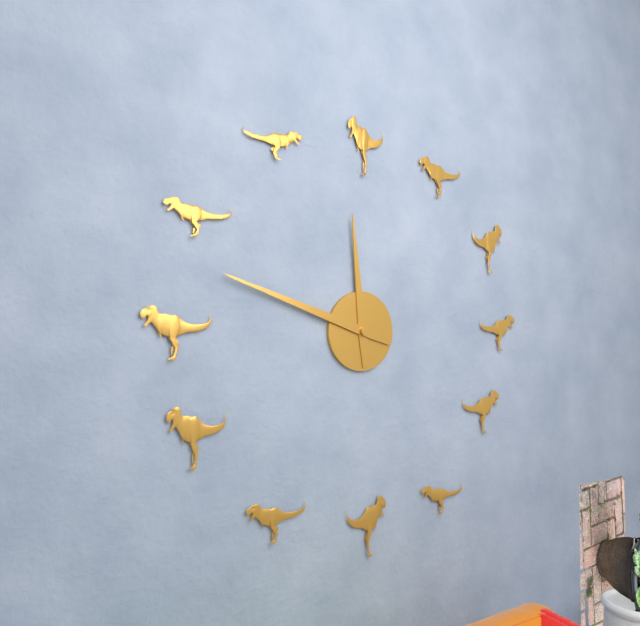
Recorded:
{"hour": 11, "minute": 48}
